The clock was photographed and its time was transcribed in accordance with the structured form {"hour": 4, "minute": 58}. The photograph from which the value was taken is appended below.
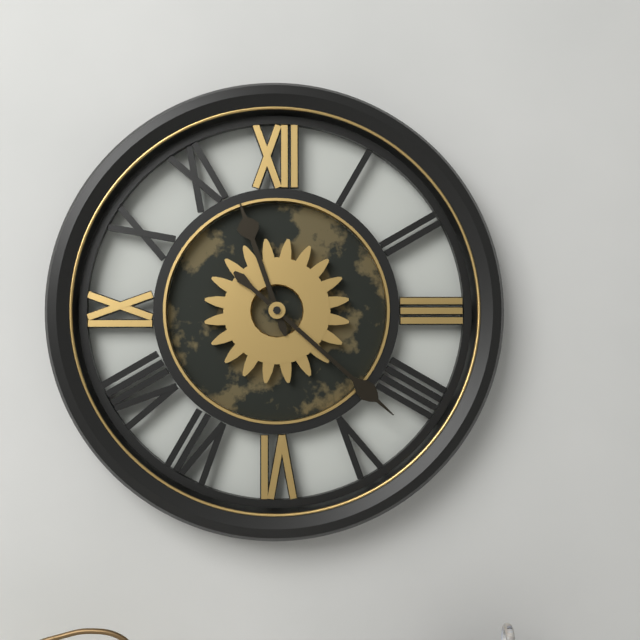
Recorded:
{"hour": 11, "minute": 22}
